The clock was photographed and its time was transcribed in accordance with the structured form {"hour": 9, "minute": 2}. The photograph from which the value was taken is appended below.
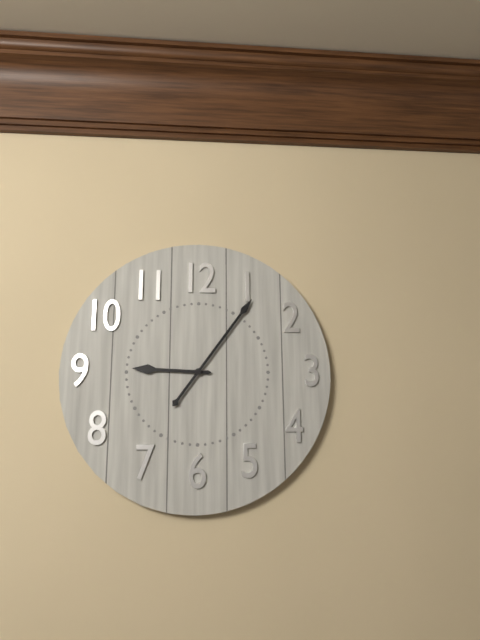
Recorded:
{"hour": 9, "minute": 6}
